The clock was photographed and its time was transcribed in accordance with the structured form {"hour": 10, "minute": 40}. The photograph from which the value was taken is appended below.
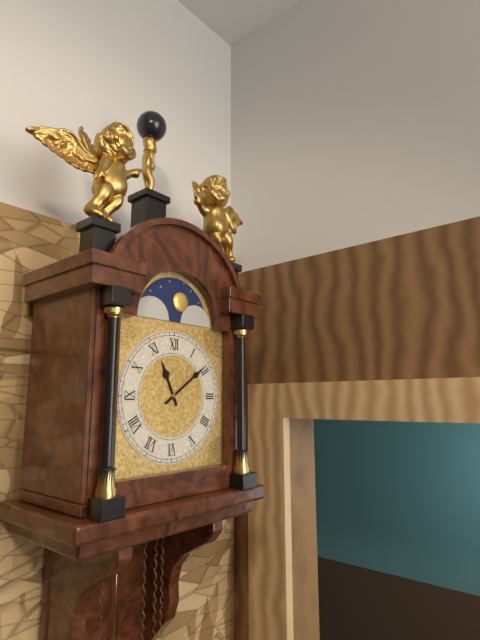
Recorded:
{"hour": 11, "minute": 9}
